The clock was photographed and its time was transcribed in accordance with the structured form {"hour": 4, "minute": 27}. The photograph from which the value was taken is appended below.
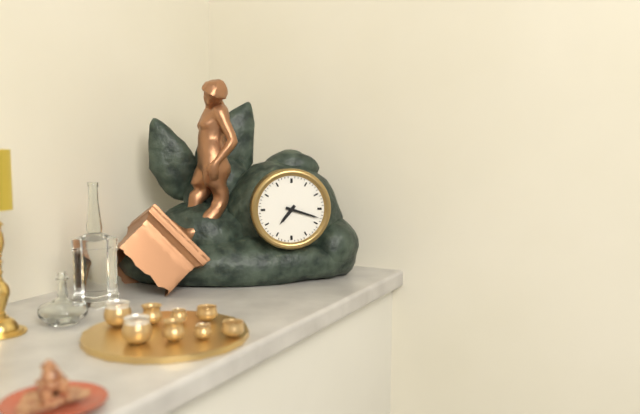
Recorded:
{"hour": 7, "minute": 18}
